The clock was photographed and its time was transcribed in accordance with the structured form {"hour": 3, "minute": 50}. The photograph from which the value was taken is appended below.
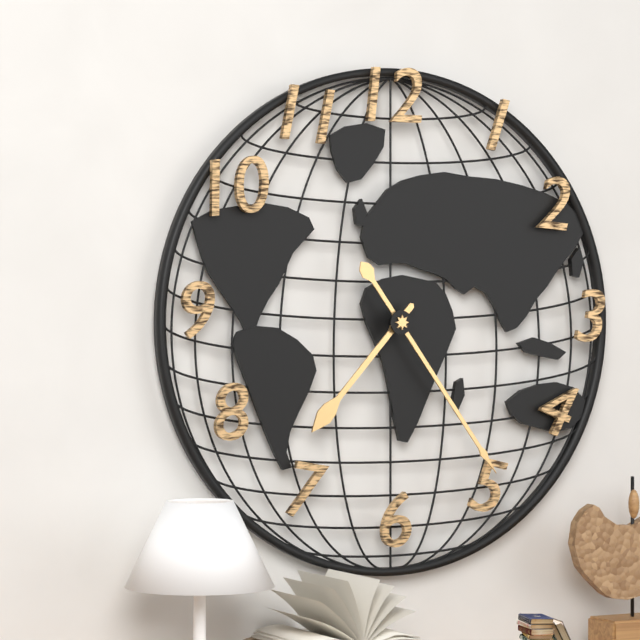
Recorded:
{"hour": 7, "minute": 24}
